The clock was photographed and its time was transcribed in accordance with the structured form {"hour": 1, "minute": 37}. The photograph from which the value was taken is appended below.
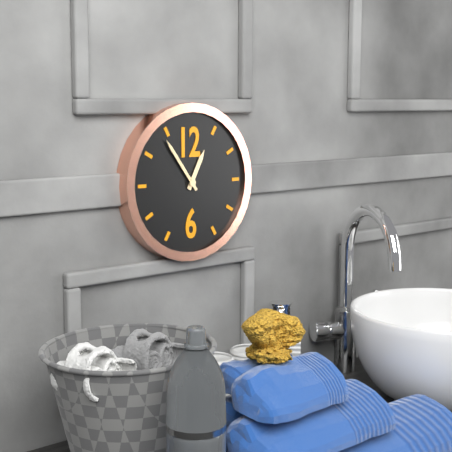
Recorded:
{"hour": 12, "minute": 54}
